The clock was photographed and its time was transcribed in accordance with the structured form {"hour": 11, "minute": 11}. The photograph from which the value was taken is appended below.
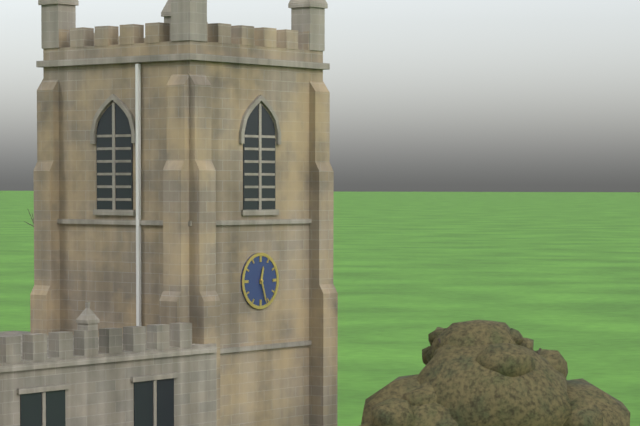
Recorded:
{"hour": 12, "minute": 27}
